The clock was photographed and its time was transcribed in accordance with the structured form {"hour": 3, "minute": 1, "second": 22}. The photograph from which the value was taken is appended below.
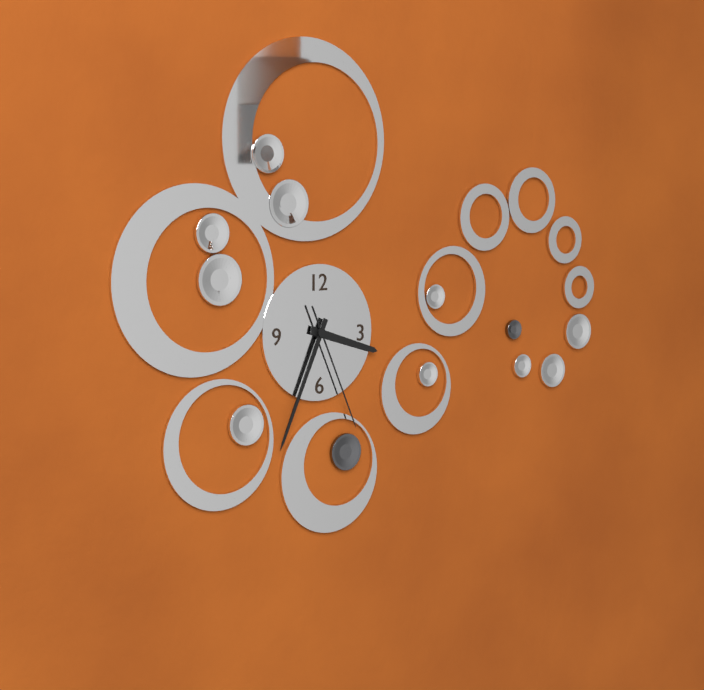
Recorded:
{"hour": 3, "minute": 34, "second": 26}
